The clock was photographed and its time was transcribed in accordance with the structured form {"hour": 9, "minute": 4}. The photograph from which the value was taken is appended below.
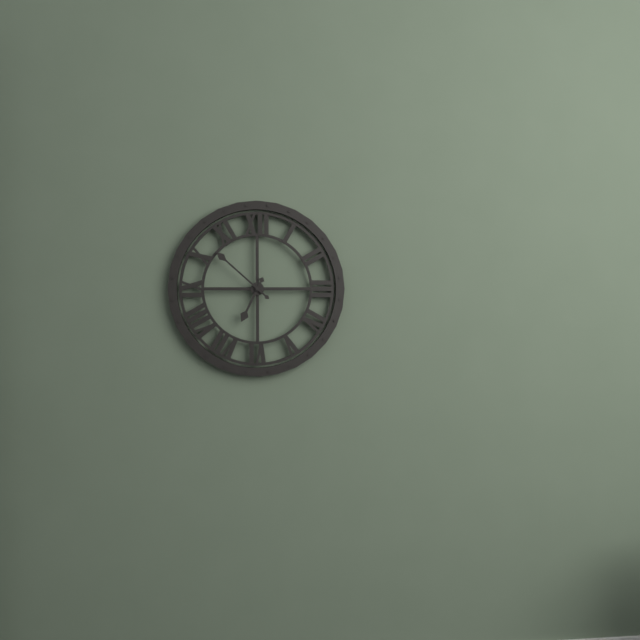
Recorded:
{"hour": 6, "minute": 52}
